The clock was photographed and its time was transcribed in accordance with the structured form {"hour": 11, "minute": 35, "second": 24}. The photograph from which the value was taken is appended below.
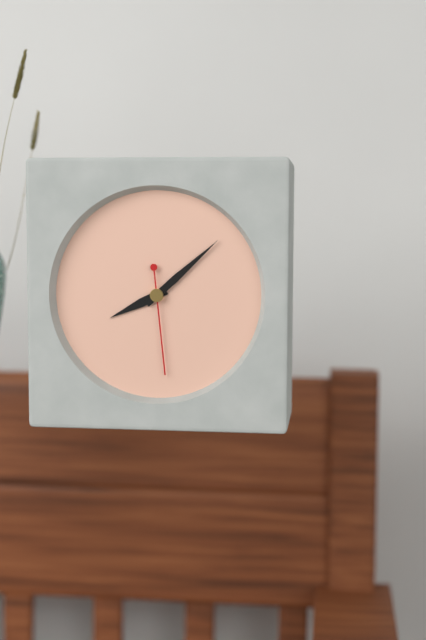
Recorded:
{"hour": 8, "minute": 8, "second": 29}
